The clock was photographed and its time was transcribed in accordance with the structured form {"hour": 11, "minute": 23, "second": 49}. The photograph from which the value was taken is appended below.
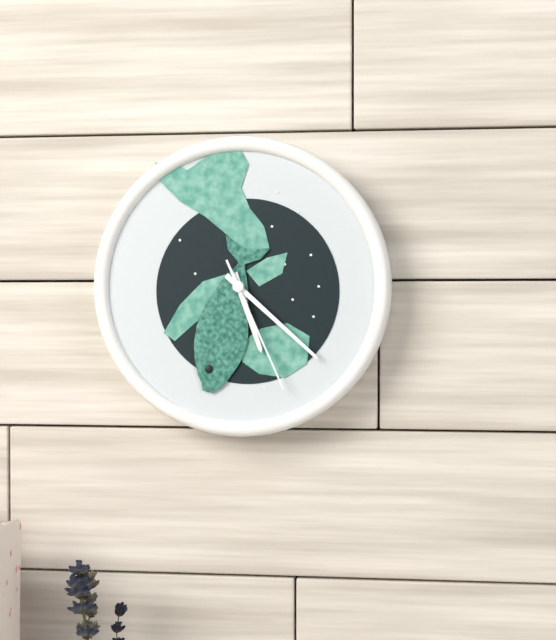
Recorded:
{"hour": 5, "minute": 22, "second": 26}
